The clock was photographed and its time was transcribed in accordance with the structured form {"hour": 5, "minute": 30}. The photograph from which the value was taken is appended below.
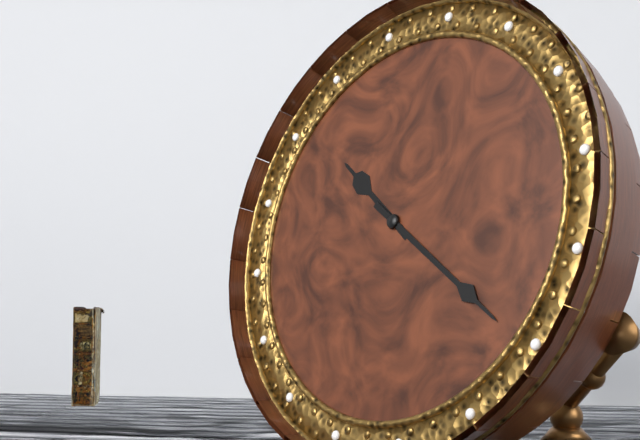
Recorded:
{"hour": 10, "minute": 21}
